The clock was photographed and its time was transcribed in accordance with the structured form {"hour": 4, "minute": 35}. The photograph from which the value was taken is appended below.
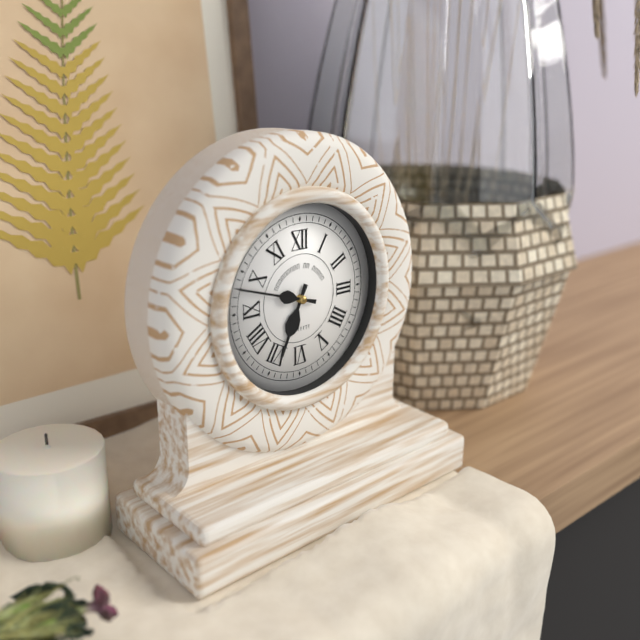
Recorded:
{"hour": 6, "minute": 48}
